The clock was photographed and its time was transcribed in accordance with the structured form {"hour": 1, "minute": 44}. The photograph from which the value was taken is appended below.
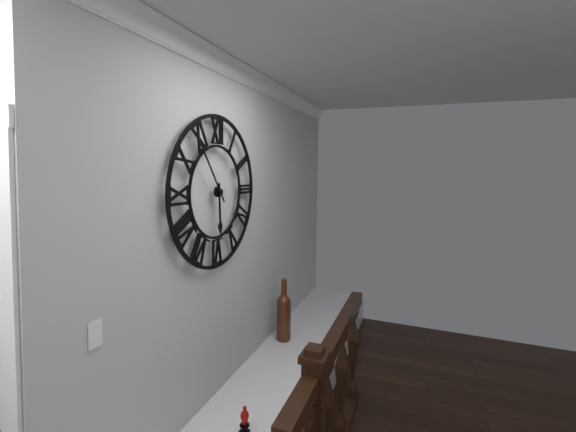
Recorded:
{"hour": 5, "minute": 54}
